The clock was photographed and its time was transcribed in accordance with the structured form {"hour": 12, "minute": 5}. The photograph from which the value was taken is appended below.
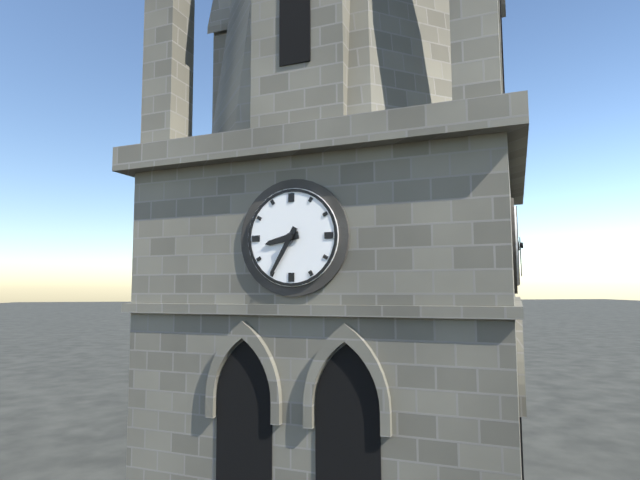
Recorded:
{"hour": 8, "minute": 35}
